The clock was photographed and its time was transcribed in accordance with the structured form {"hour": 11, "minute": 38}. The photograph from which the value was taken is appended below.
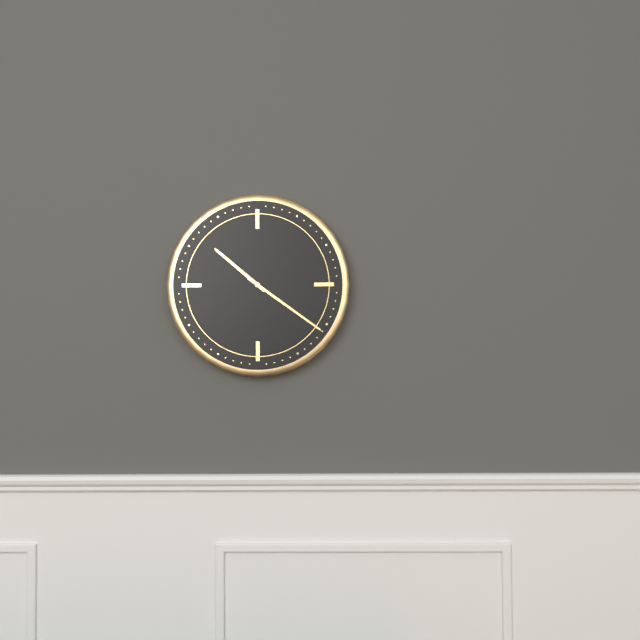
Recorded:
{"hour": 10, "minute": 21}
